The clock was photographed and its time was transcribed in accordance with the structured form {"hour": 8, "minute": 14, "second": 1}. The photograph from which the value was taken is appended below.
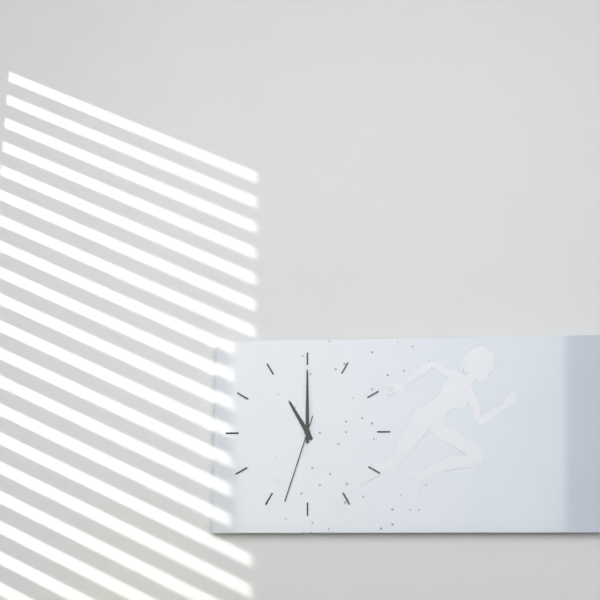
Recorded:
{"hour": 11, "minute": 0, "second": 33}
